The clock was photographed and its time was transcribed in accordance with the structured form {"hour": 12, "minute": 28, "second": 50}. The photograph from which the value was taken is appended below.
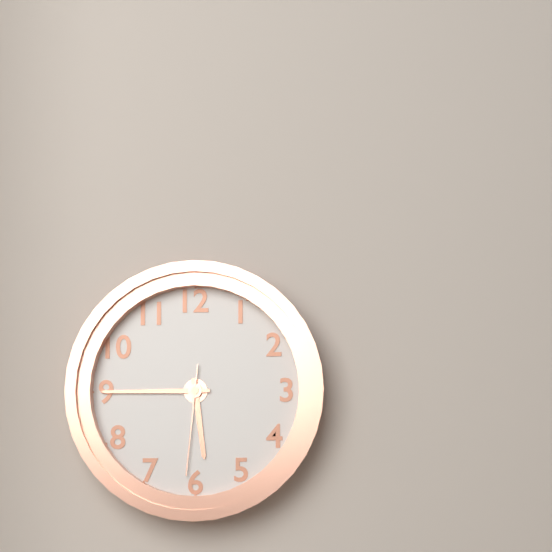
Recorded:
{"hour": 5, "minute": 45, "second": 31}
